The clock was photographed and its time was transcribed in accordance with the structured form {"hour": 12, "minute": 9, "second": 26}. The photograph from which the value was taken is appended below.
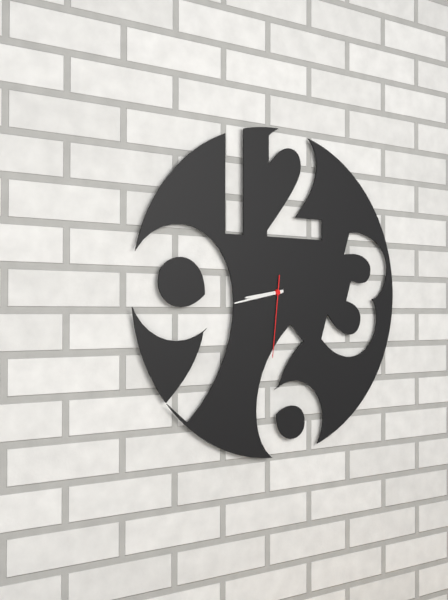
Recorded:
{"hour": 8, "minute": 43, "second": 31}
